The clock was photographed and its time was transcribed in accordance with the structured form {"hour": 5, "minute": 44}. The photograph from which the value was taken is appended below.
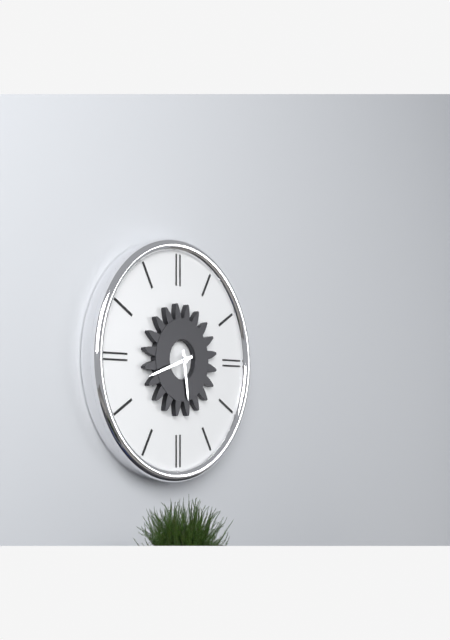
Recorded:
{"hour": 5, "minute": 42}
